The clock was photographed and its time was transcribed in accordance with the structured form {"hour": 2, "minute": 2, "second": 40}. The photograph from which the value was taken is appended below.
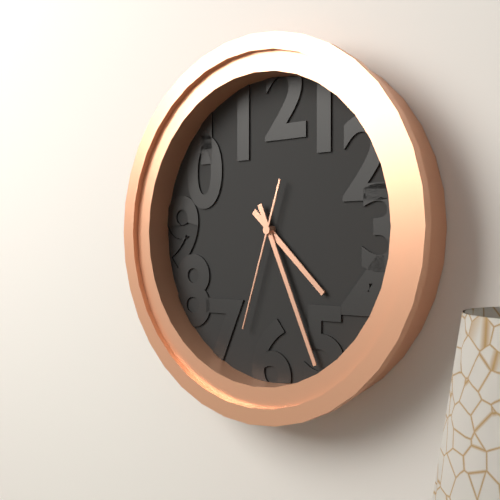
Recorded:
{"hour": 4, "minute": 26, "second": 33}
